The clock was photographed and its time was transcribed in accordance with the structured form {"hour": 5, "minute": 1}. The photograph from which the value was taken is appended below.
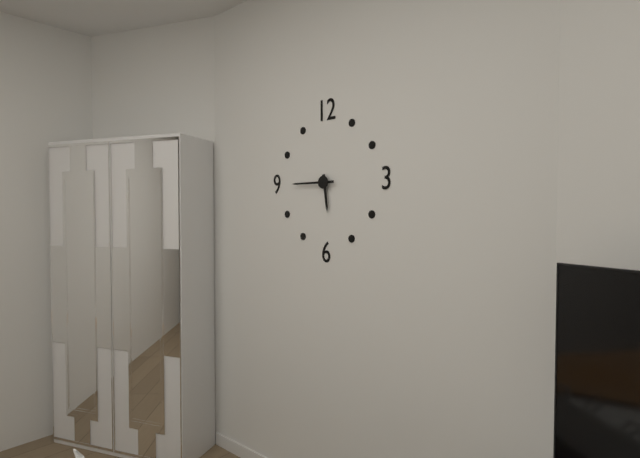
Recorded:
{"hour": 5, "minute": 45}
